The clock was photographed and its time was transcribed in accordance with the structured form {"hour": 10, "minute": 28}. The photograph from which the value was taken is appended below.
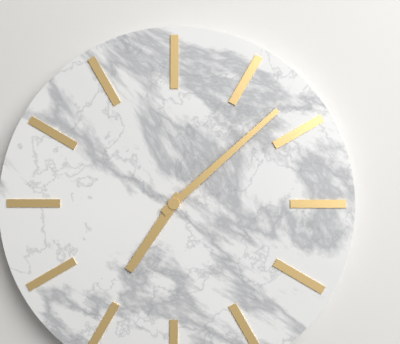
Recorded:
{"hour": 7, "minute": 8}
